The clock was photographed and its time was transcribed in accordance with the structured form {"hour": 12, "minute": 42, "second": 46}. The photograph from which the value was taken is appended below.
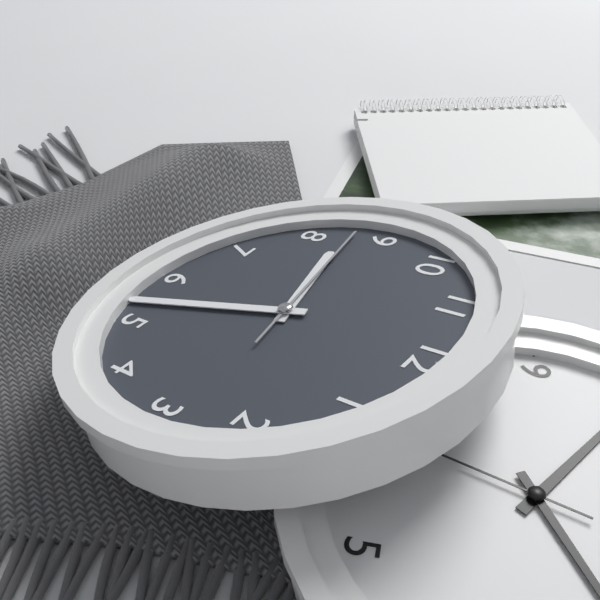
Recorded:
{"hour": 8, "minute": 27, "second": 43}
